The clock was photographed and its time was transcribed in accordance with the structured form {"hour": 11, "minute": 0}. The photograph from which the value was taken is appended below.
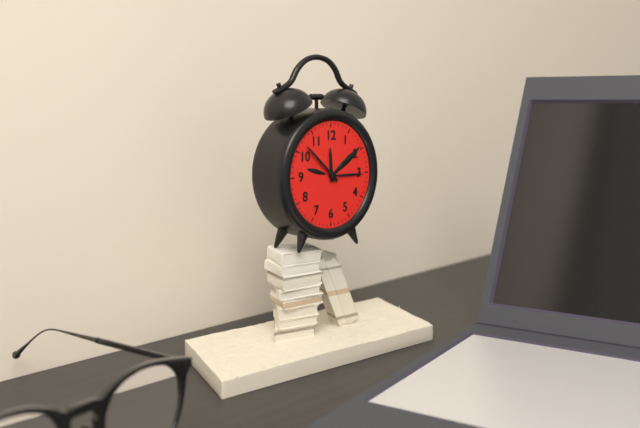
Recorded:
{"hour": 11, "minute": 52}
